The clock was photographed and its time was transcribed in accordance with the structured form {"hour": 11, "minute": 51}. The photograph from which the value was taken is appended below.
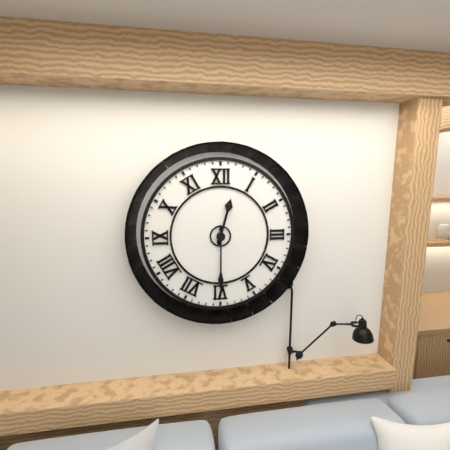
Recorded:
{"hour": 12, "minute": 30}
